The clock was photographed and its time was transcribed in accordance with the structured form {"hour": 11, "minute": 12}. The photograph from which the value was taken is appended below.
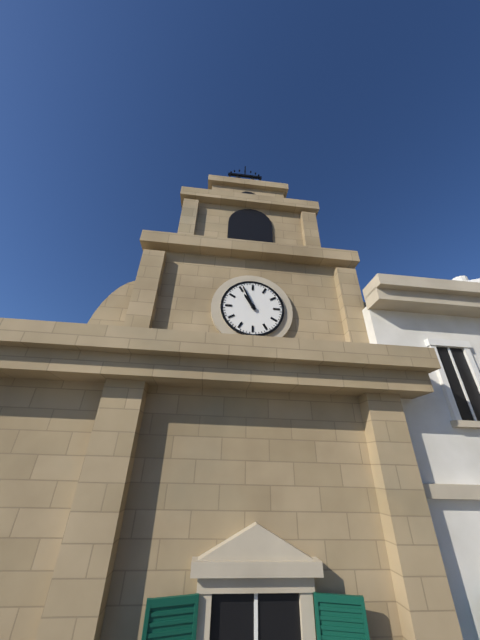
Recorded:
{"hour": 10, "minute": 56}
